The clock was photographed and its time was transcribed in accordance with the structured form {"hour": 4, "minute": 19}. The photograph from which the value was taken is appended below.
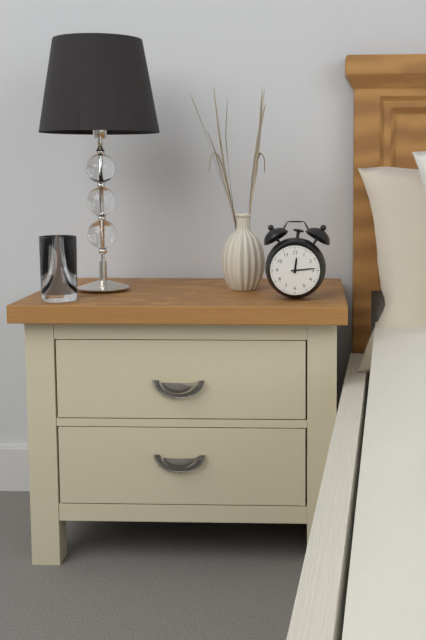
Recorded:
{"hour": 12, "minute": 14}
